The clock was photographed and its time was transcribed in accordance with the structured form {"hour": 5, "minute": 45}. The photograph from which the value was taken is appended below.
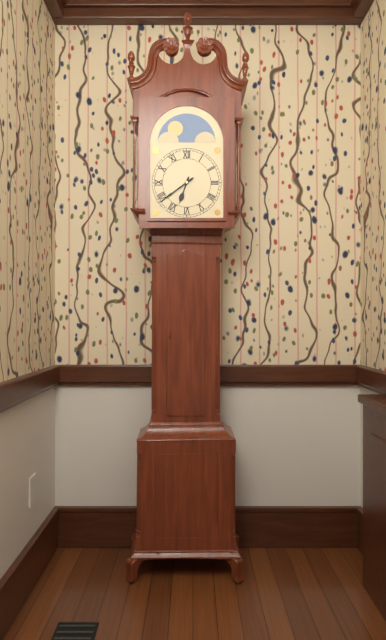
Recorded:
{"hour": 6, "minute": 39}
